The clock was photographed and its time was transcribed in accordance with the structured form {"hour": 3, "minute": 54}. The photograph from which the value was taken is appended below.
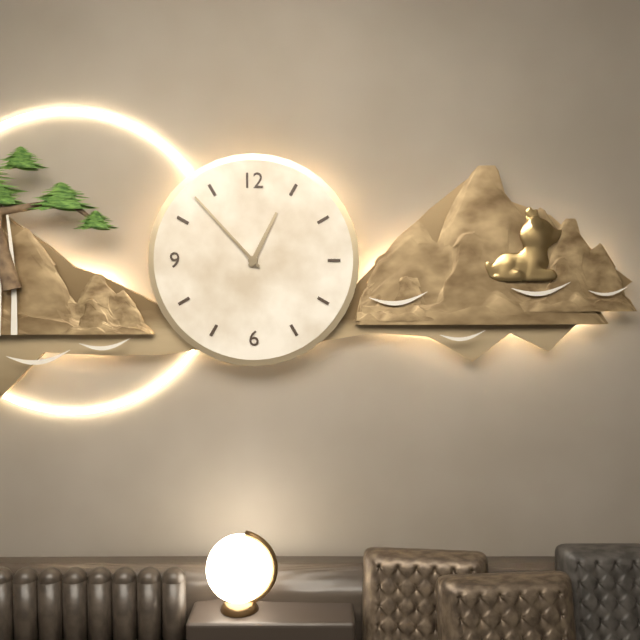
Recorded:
{"hour": 12, "minute": 53}
